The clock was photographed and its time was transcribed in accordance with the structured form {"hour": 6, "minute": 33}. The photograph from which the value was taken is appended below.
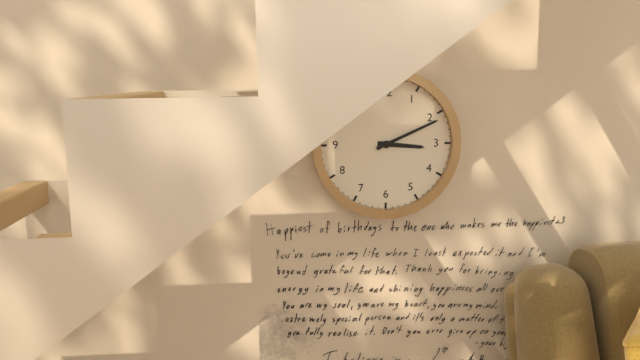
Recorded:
{"hour": 3, "minute": 11}
